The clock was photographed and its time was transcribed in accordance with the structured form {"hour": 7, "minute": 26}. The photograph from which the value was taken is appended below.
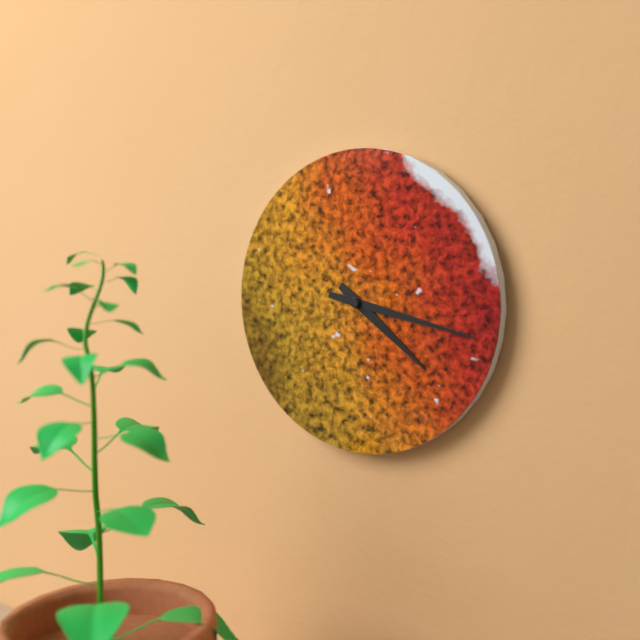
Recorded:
{"hour": 4, "minute": 17}
